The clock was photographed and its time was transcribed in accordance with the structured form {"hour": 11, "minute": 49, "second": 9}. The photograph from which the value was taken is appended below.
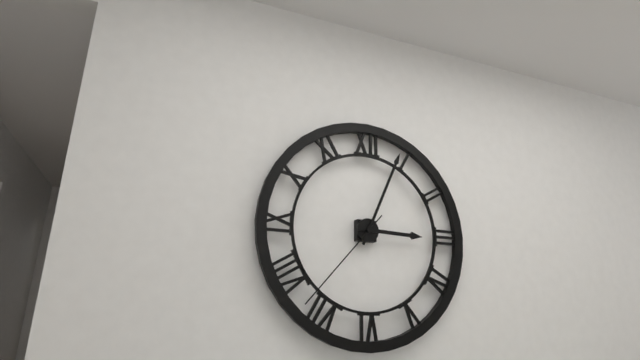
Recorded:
{"hour": 3, "minute": 4, "second": 37}
